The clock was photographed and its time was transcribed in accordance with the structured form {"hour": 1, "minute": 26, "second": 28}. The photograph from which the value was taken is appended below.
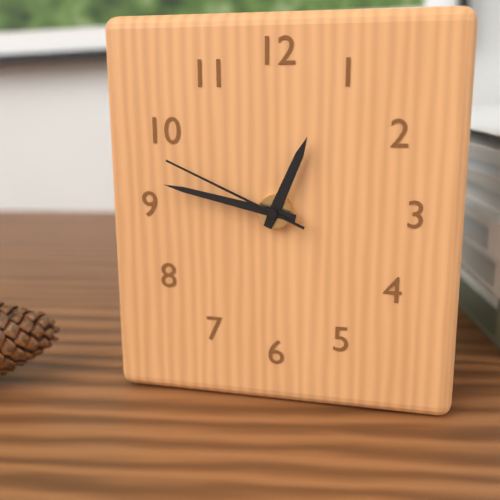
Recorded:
{"hour": 12, "minute": 47, "second": 49}
